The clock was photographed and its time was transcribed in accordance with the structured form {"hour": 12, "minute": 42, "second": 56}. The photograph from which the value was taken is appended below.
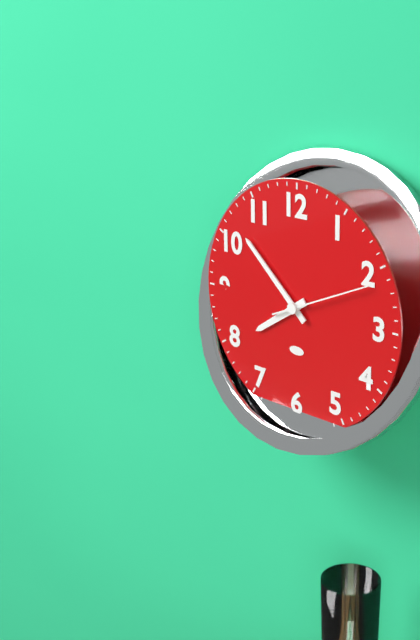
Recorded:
{"hour": 7, "minute": 52, "second": 11}
